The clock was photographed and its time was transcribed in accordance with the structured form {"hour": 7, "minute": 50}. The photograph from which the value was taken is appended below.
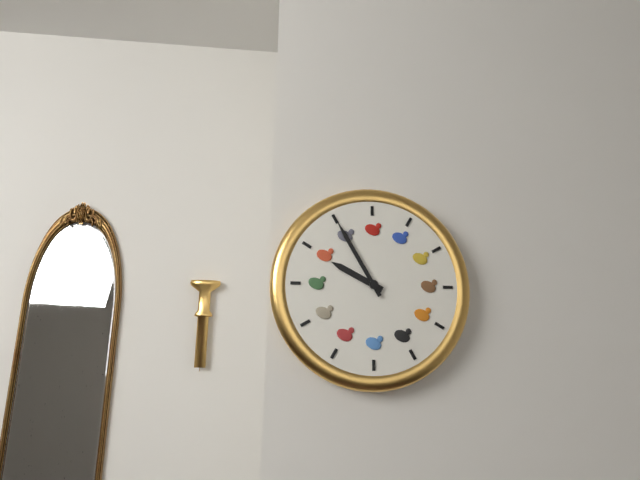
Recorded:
{"hour": 9, "minute": 55}
